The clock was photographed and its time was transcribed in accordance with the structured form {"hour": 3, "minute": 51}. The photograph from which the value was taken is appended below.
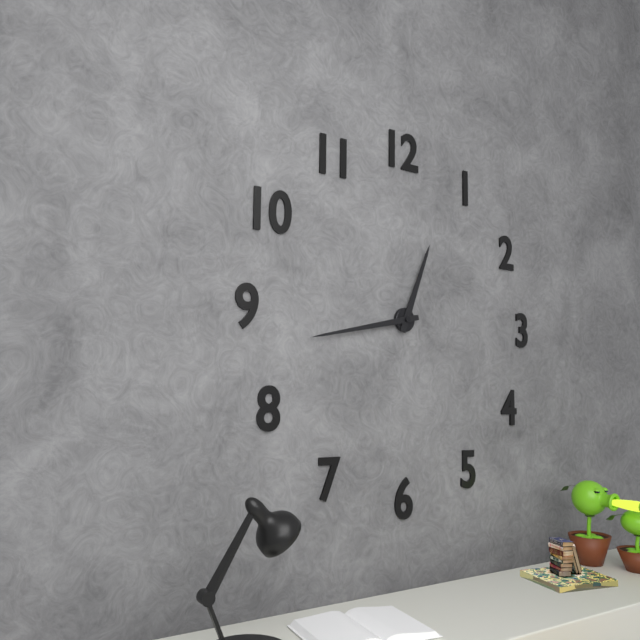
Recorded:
{"hour": 12, "minute": 43}
